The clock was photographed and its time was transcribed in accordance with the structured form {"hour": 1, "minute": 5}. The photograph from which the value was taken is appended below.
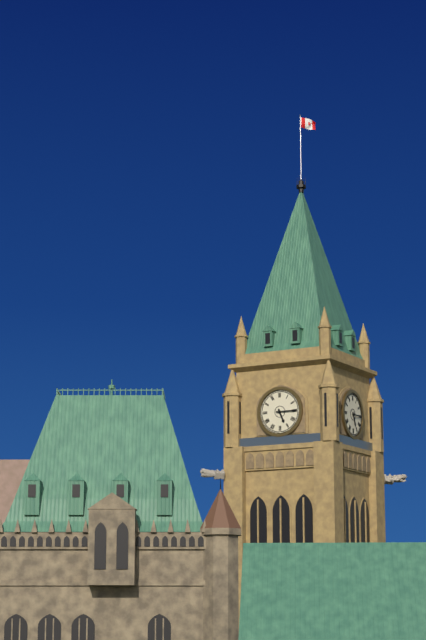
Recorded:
{"hour": 5, "minute": 15}
